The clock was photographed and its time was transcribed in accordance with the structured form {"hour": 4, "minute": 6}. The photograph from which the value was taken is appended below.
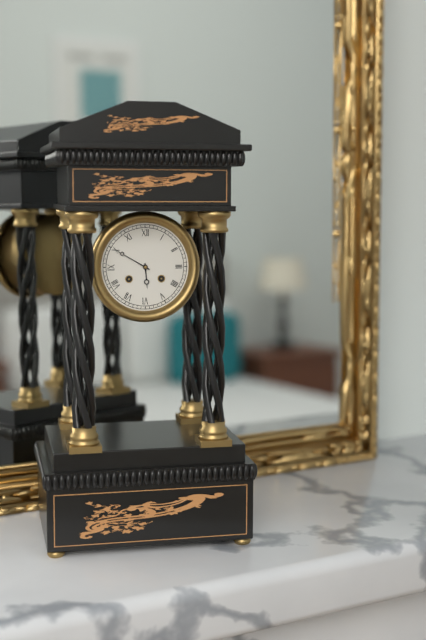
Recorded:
{"hour": 5, "minute": 50}
